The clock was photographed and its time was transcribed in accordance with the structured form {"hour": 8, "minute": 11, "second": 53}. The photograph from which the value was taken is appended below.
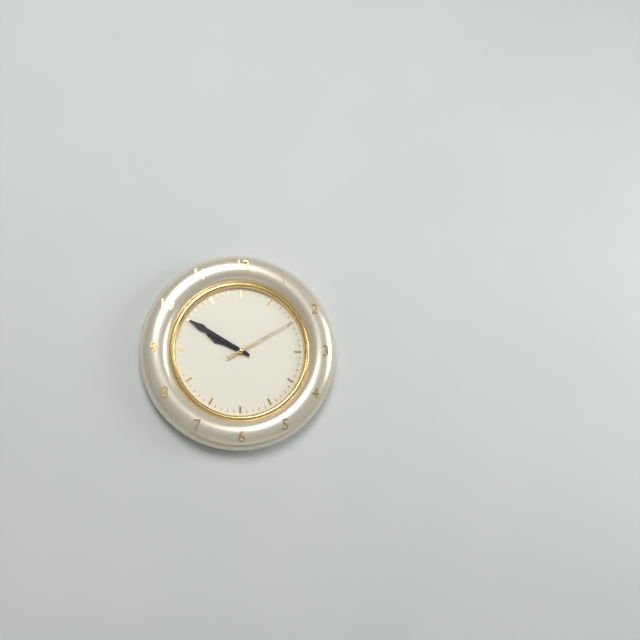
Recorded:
{"hour": 9, "minute": 50, "second": 10}
